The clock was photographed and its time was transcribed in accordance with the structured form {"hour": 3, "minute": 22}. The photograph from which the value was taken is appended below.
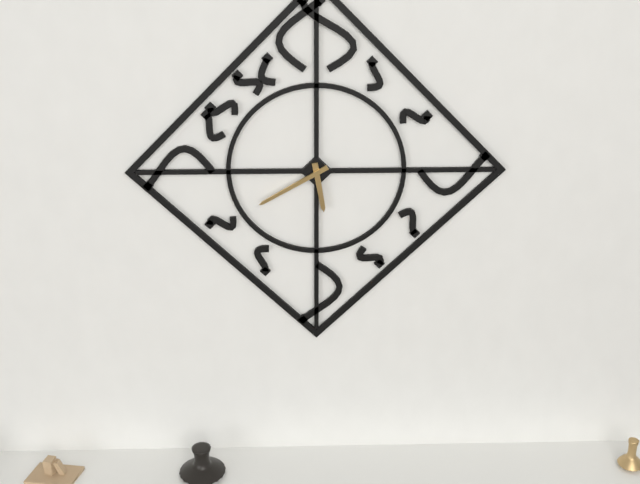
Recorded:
{"hour": 5, "minute": 40}
